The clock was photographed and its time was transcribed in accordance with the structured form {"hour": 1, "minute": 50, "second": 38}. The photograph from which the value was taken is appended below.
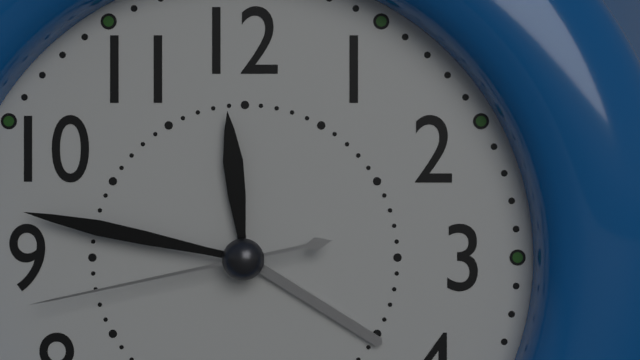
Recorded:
{"hour": 11, "minute": 47, "second": 43}
